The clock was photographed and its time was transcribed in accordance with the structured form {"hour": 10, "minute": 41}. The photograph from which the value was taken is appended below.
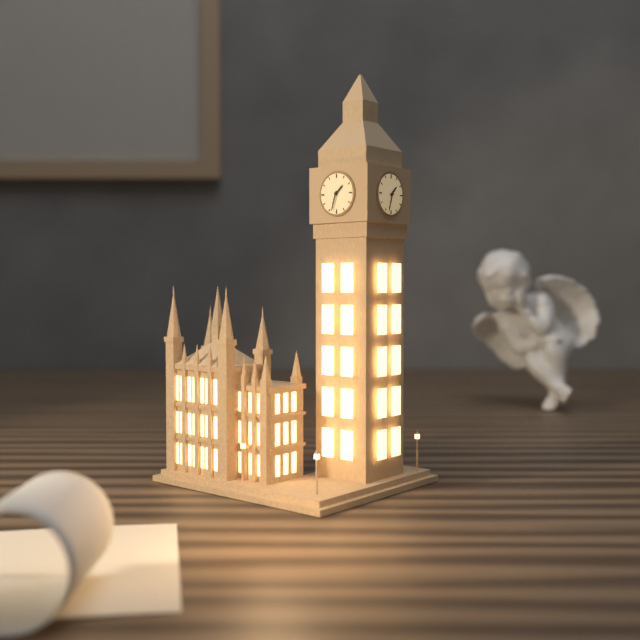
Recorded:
{"hour": 1, "minute": 33}
